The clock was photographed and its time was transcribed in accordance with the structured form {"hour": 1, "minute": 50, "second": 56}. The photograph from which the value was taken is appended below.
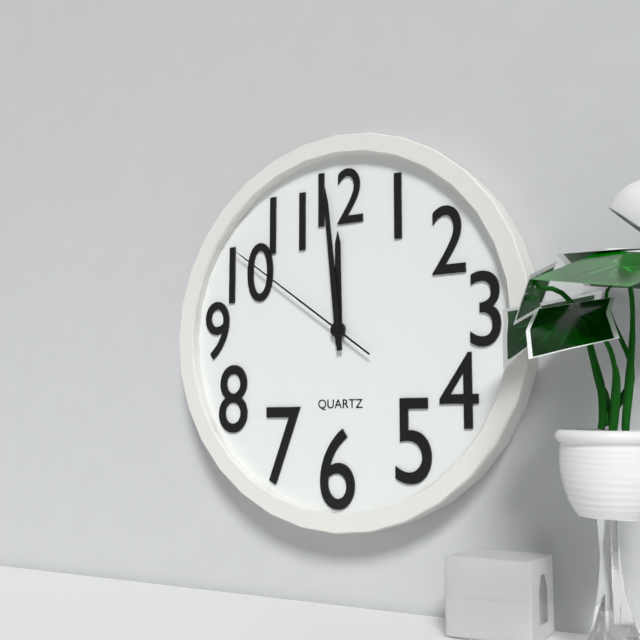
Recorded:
{"hour": 11, "minute": 59, "second": 51}
